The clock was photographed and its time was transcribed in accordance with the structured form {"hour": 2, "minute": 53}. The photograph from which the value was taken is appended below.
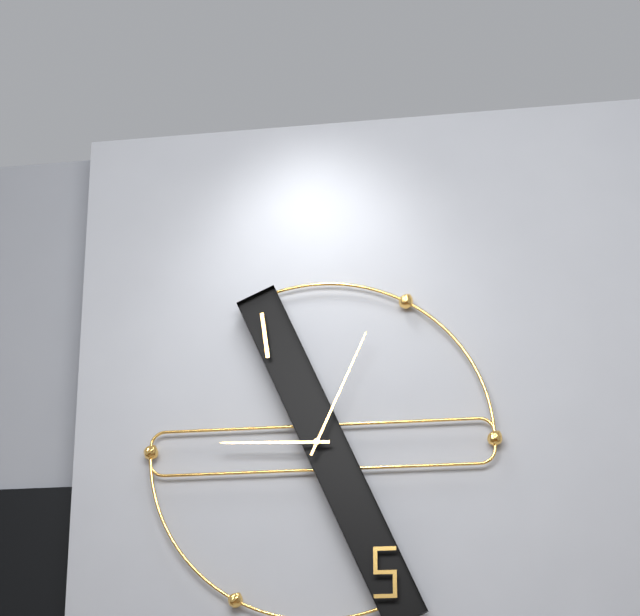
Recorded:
{"hour": 9, "minute": 4}
